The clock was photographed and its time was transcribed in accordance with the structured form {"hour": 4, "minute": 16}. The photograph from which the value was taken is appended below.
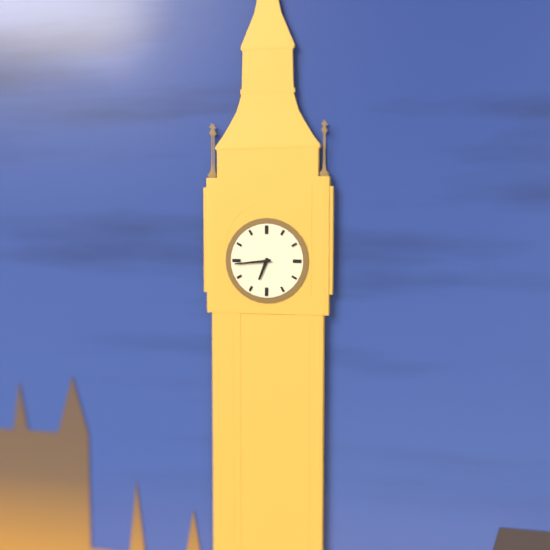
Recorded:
{"hour": 6, "minute": 44}
